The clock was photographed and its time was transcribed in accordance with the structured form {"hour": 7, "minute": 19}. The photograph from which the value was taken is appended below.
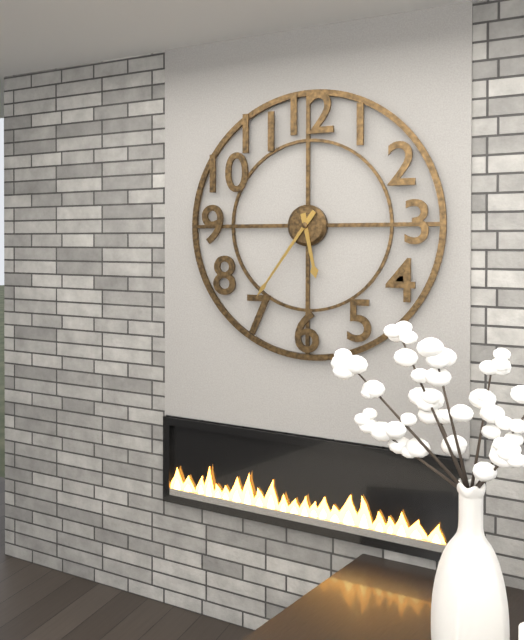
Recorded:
{"hour": 5, "minute": 36}
